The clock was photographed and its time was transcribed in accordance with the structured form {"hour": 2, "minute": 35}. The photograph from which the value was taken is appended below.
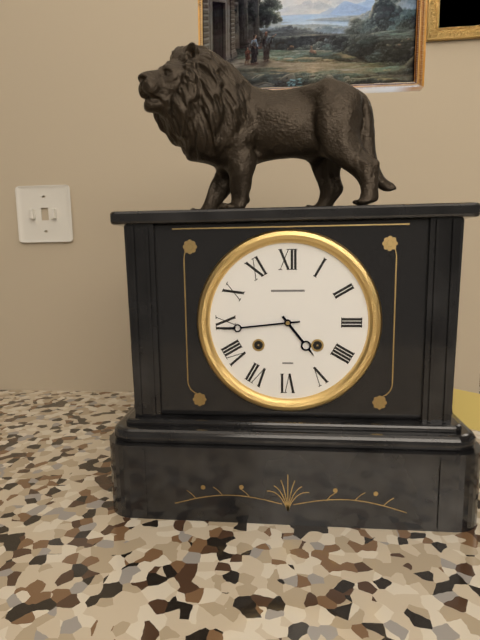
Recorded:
{"hour": 4, "minute": 44}
